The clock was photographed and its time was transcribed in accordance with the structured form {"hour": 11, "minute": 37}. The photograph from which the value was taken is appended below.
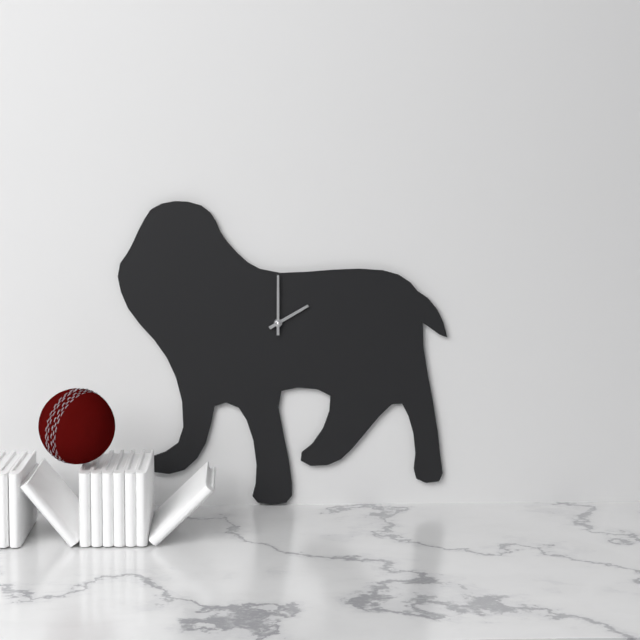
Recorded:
{"hour": 2, "minute": 0}
